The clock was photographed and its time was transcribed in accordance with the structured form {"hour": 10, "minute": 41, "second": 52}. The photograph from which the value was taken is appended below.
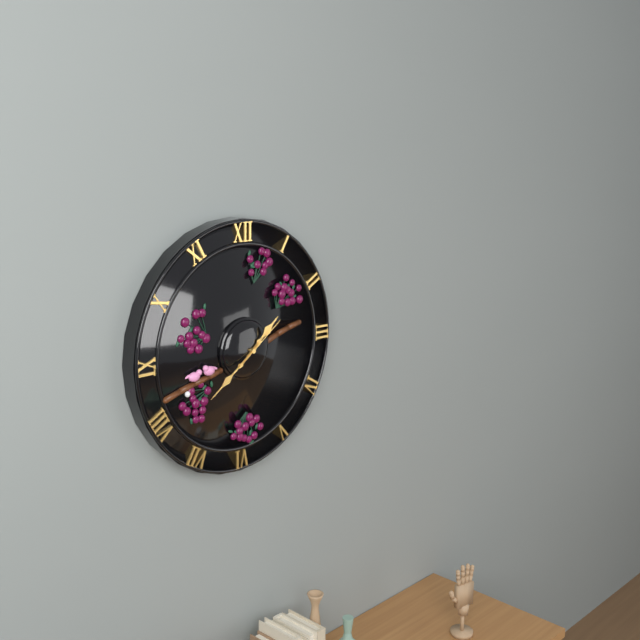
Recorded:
{"hour": 1, "minute": 39, "second": 9}
